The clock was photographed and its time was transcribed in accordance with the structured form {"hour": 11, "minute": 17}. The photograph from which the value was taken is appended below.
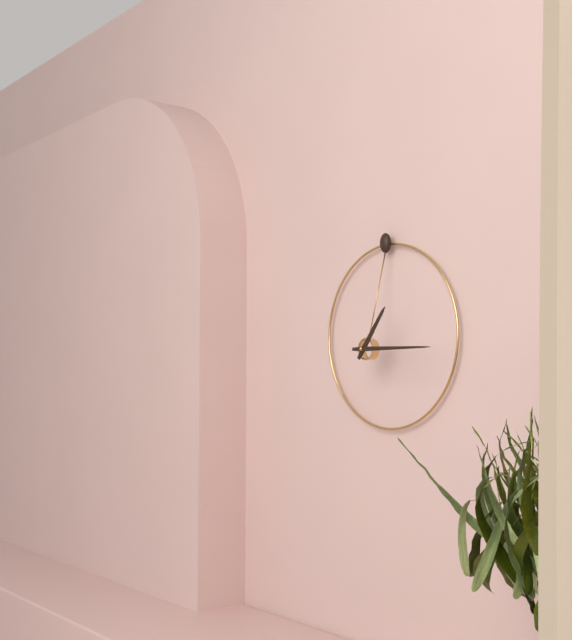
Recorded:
{"hour": 1, "minute": 15}
